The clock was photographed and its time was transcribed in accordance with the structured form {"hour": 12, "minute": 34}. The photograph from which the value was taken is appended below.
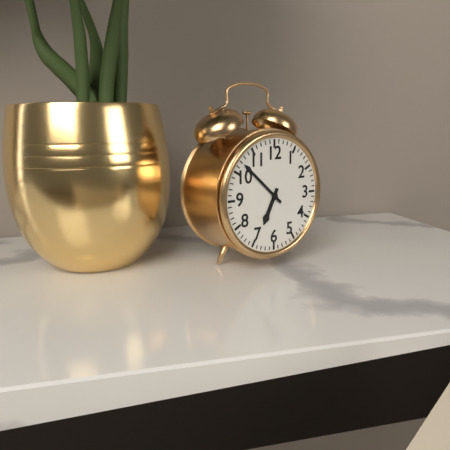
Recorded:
{"hour": 6, "minute": 52}
